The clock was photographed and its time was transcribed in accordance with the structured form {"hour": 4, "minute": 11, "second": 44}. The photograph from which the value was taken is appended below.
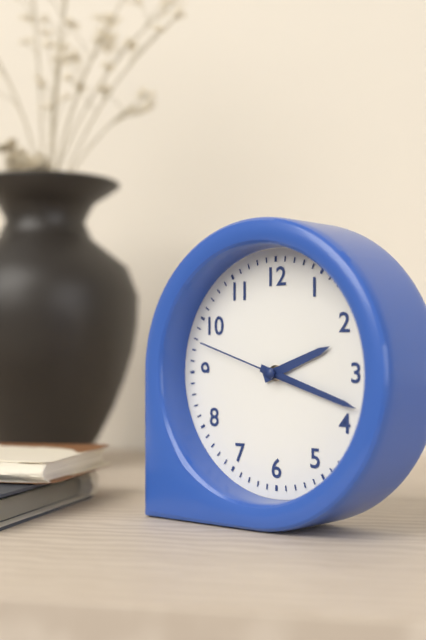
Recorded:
{"hour": 2, "minute": 18, "second": 48}
